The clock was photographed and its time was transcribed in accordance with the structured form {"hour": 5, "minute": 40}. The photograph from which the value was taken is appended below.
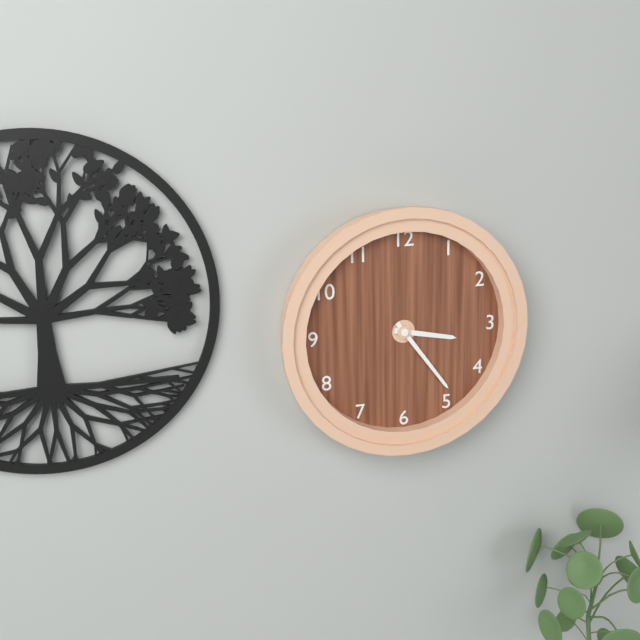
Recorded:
{"hour": 3, "minute": 24}
